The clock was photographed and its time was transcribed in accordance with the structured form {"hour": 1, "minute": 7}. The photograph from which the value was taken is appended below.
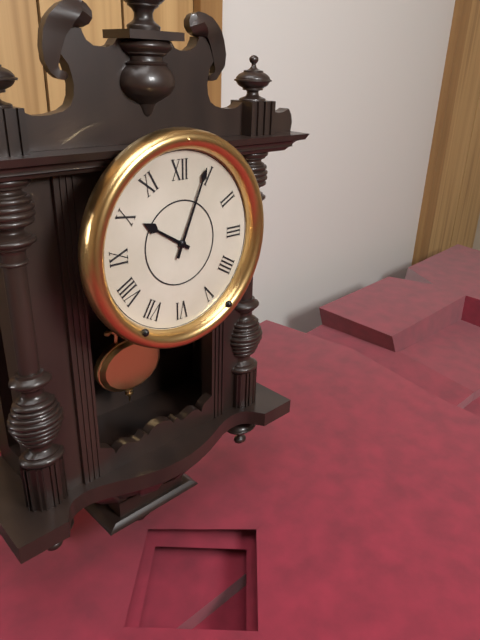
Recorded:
{"hour": 10, "minute": 4}
